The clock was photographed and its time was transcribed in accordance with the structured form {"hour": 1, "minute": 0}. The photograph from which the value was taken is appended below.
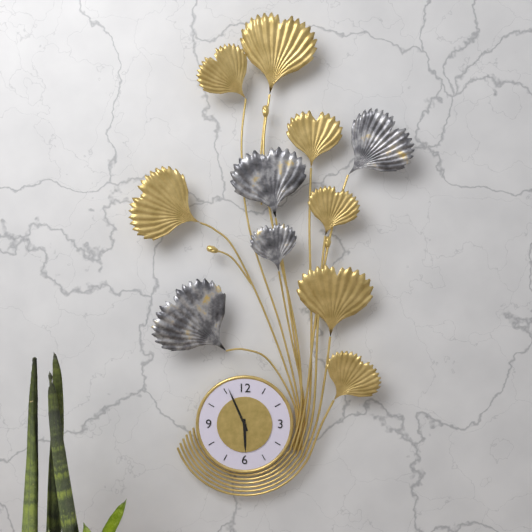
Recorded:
{"hour": 5, "minute": 56}
